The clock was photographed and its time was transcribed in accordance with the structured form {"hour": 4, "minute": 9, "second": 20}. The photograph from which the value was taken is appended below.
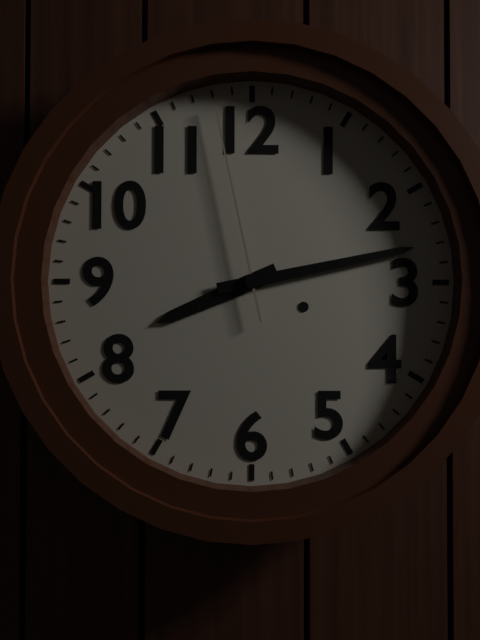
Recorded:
{"hour": 8, "minute": 13, "second": 58}
